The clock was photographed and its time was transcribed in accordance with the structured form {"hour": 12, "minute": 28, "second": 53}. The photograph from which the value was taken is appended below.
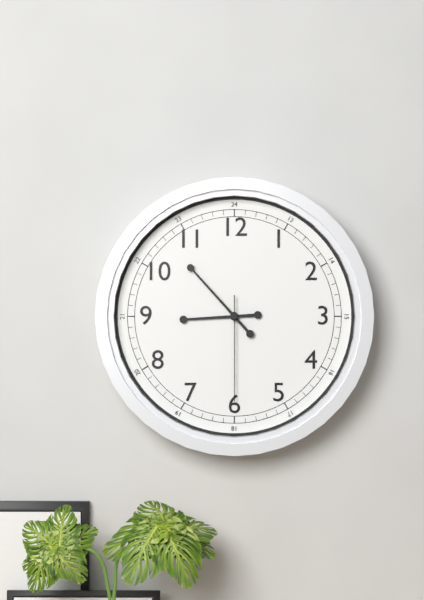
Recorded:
{"hour": 8, "minute": 53, "second": 30}
